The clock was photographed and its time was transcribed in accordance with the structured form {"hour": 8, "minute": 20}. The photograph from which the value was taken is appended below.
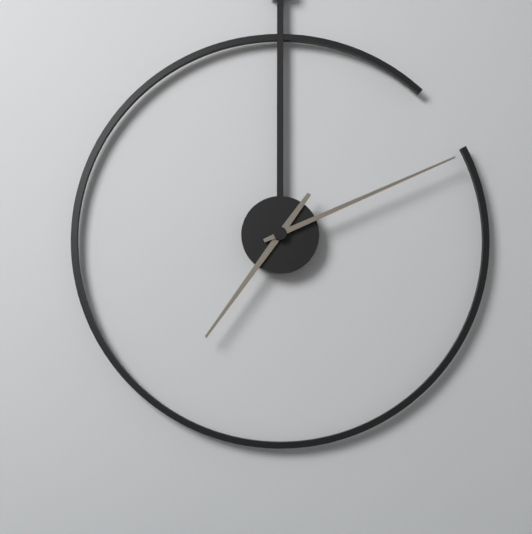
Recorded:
{"hour": 7, "minute": 11}
